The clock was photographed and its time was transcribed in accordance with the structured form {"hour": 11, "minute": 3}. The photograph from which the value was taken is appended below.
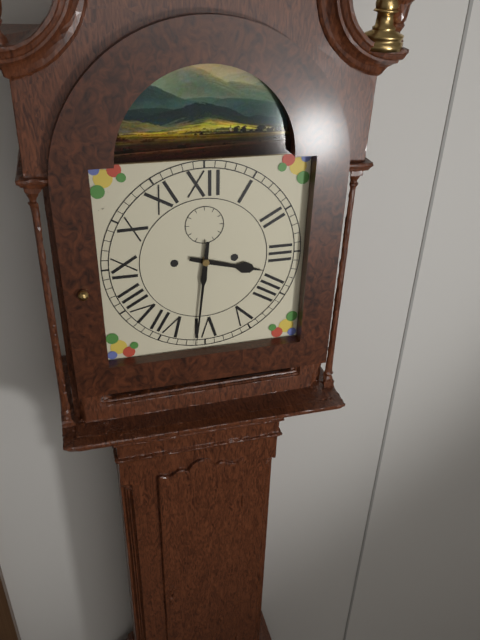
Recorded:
{"hour": 3, "minute": 31}
